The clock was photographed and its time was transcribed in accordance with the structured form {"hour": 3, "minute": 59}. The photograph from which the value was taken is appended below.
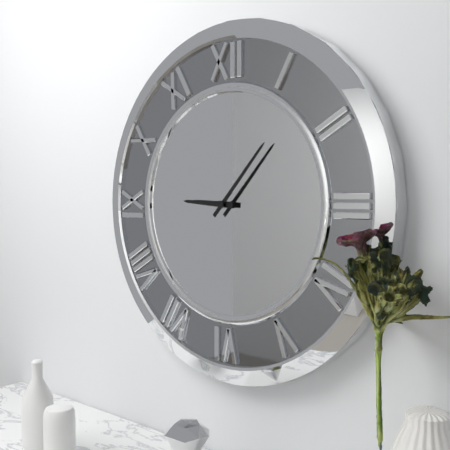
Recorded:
{"hour": 9, "minute": 7}
